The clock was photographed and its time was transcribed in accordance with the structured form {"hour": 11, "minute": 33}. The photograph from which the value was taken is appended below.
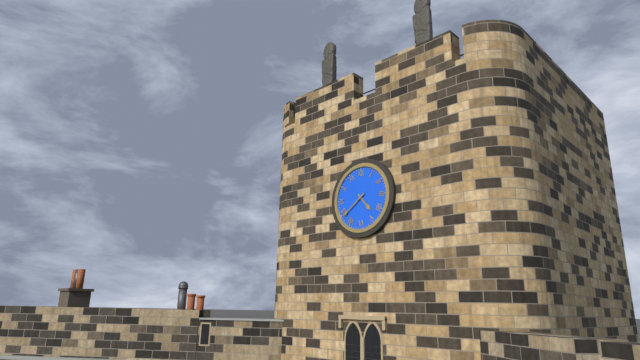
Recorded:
{"hour": 4, "minute": 39}
